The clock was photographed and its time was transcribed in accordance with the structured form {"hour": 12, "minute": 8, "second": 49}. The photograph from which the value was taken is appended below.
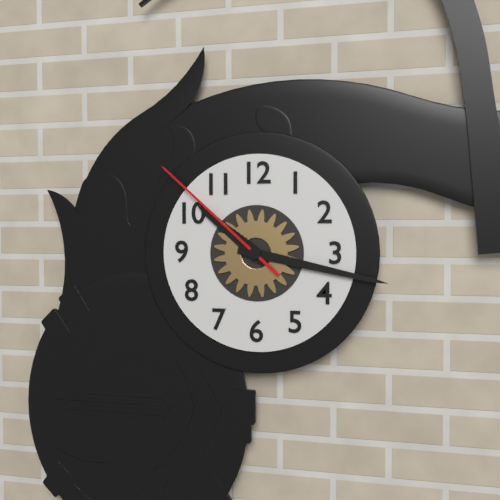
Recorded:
{"hour": 10, "minute": 17, "second": 52}
